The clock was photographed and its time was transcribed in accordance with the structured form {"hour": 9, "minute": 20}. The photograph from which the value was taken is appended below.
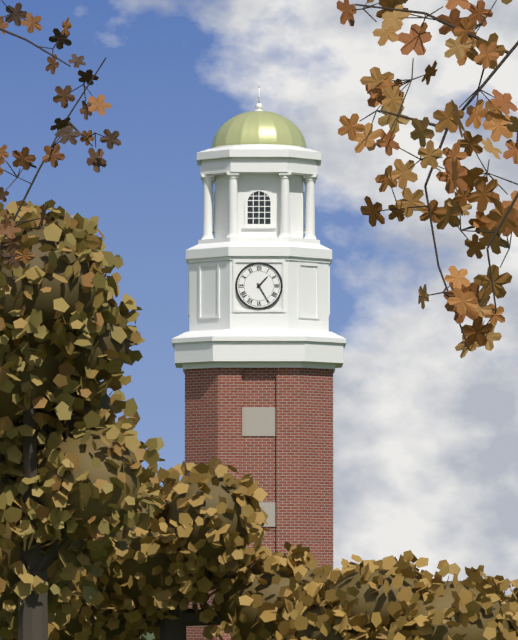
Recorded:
{"hour": 1, "minute": 25}
